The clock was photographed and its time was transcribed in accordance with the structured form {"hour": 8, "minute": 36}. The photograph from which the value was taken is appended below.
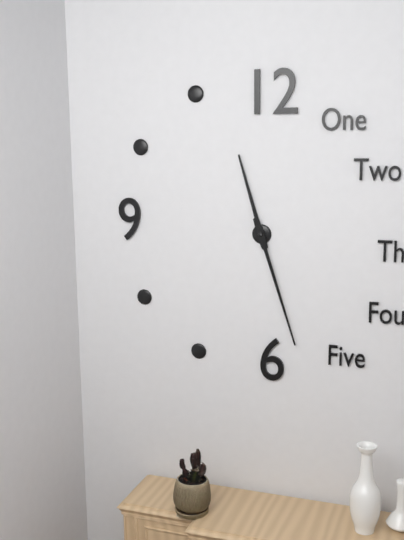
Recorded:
{"hour": 11, "minute": 27}
